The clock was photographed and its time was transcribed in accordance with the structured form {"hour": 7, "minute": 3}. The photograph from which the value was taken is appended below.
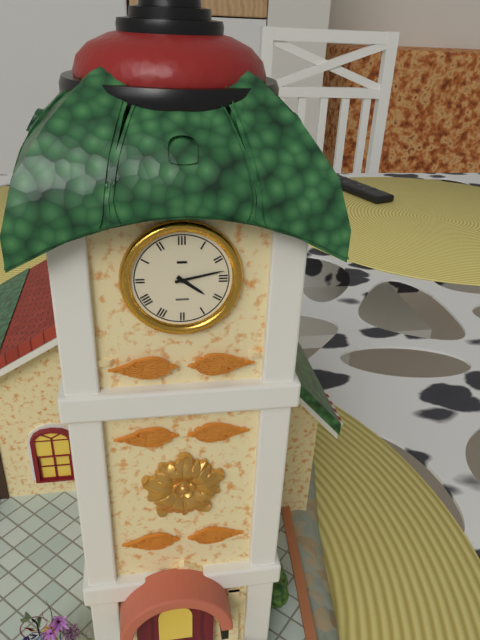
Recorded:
{"hour": 4, "minute": 13}
